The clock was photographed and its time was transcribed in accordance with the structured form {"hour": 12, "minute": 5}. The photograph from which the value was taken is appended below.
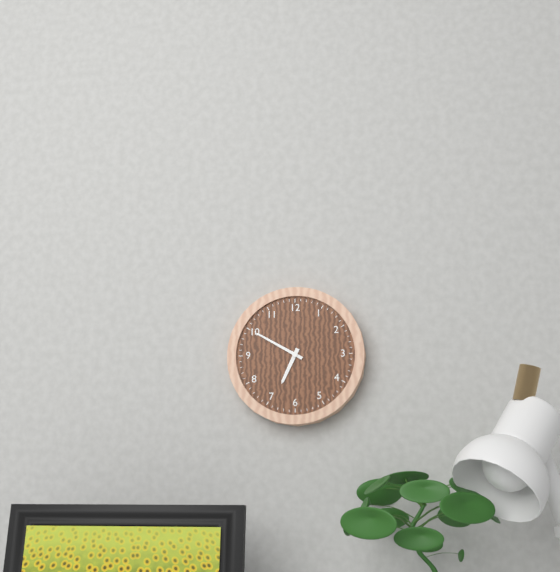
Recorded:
{"hour": 6, "minute": 50}
